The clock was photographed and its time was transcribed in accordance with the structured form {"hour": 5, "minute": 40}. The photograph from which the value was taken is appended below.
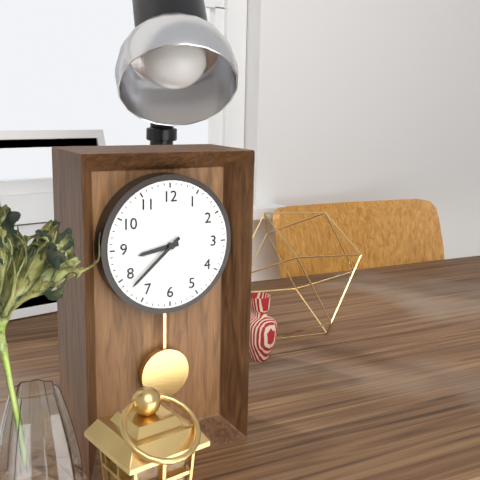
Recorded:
{"hour": 8, "minute": 38}
